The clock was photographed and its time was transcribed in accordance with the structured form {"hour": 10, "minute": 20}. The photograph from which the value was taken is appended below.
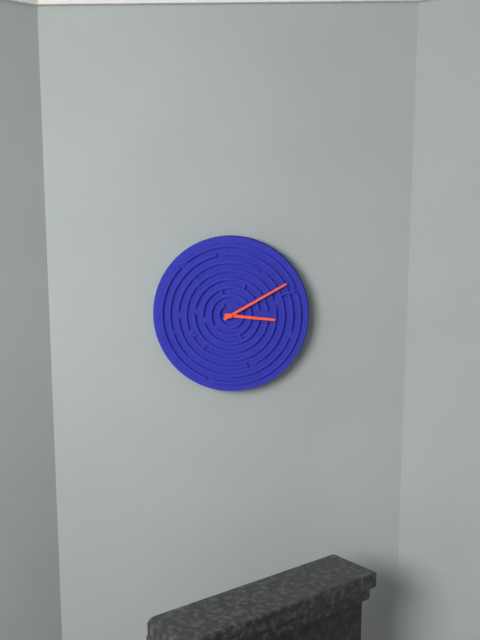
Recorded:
{"hour": 3, "minute": 10}
